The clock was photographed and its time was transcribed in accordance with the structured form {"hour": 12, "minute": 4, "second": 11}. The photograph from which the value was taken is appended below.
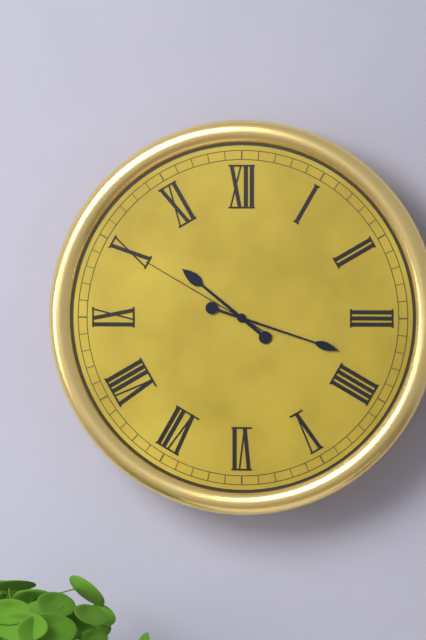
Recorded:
{"hour": 10, "minute": 18, "second": 50}
